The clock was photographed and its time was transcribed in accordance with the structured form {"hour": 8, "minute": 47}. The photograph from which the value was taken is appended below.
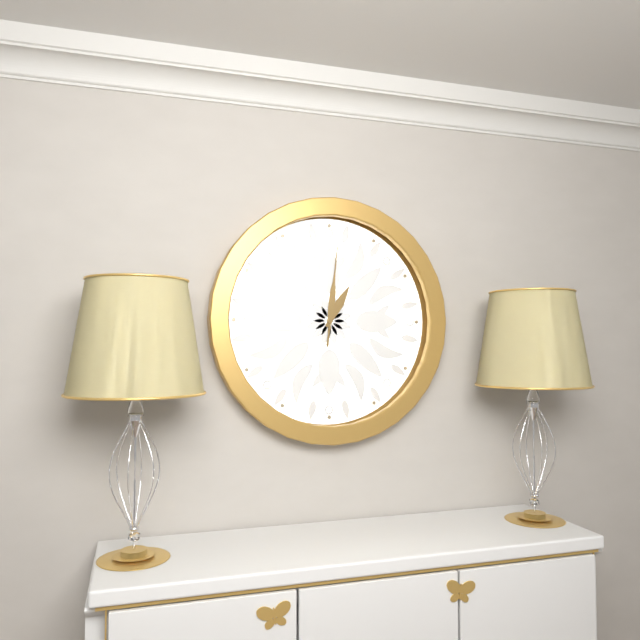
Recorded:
{"hour": 1, "minute": 1}
